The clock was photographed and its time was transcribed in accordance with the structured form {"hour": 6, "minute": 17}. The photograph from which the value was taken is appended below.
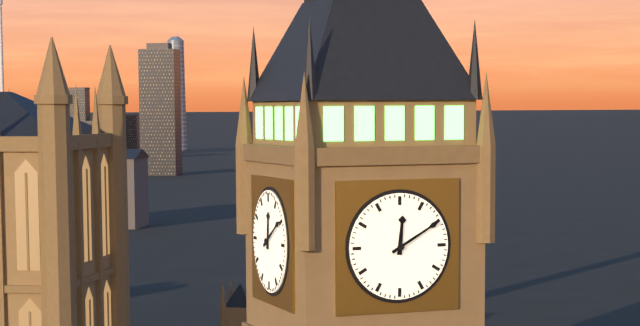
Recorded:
{"hour": 12, "minute": 10}
